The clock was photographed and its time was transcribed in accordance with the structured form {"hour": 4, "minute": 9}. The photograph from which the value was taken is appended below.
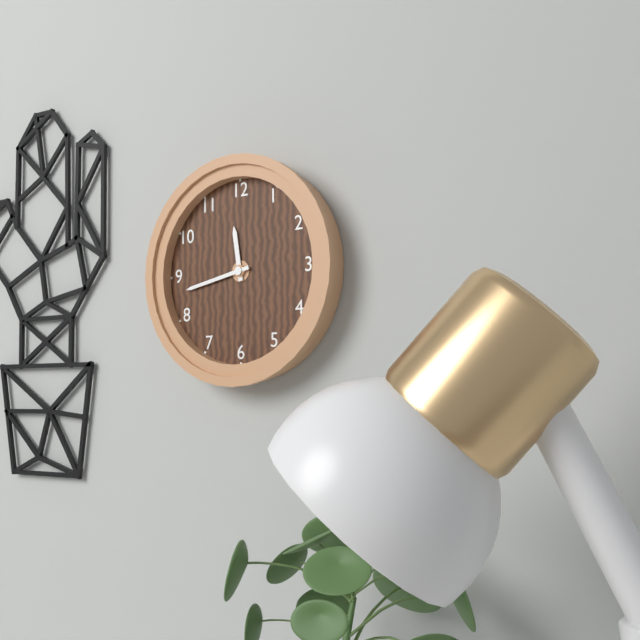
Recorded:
{"hour": 11, "minute": 43}
